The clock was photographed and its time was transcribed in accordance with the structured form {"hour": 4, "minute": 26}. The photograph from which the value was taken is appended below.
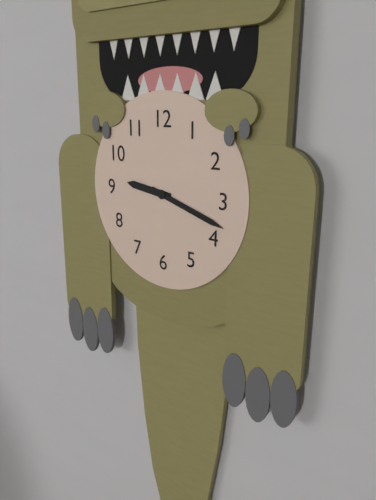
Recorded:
{"hour": 9, "minute": 18}
